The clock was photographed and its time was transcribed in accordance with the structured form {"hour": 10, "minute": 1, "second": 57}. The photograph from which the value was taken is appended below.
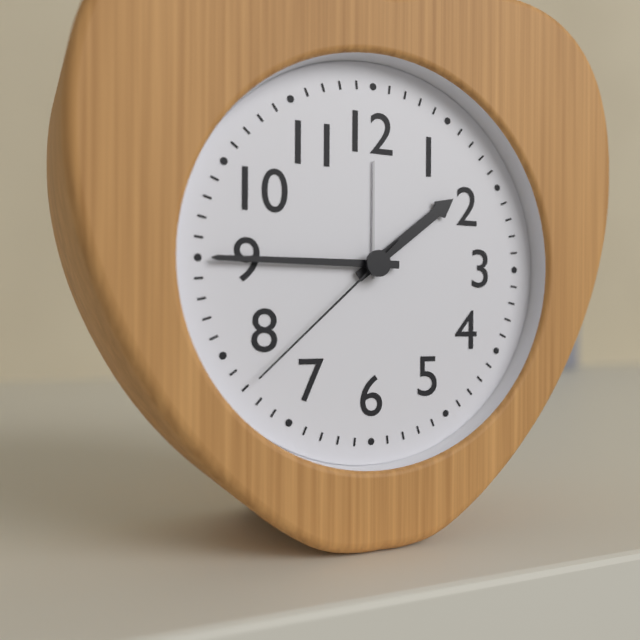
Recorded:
{"hour": 1, "minute": 45, "second": 38}
